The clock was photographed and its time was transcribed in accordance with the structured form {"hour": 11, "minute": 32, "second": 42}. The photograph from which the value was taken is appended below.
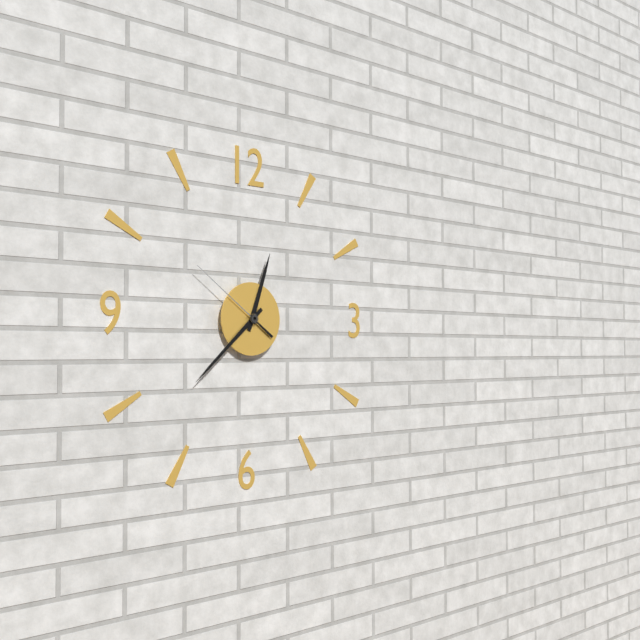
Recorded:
{"hour": 12, "minute": 38, "second": 51}
